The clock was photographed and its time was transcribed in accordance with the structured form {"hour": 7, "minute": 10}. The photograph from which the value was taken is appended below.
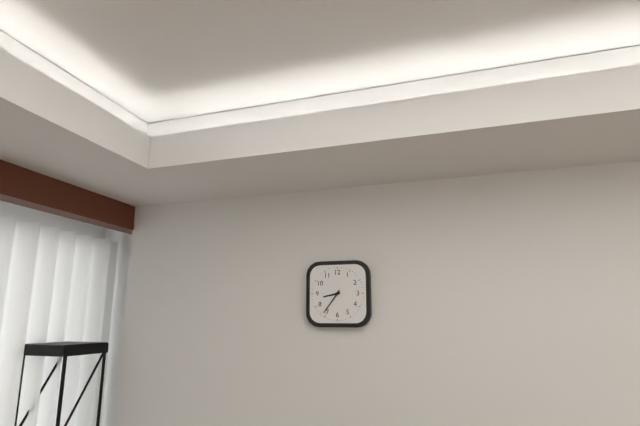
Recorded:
{"hour": 8, "minute": 36}
